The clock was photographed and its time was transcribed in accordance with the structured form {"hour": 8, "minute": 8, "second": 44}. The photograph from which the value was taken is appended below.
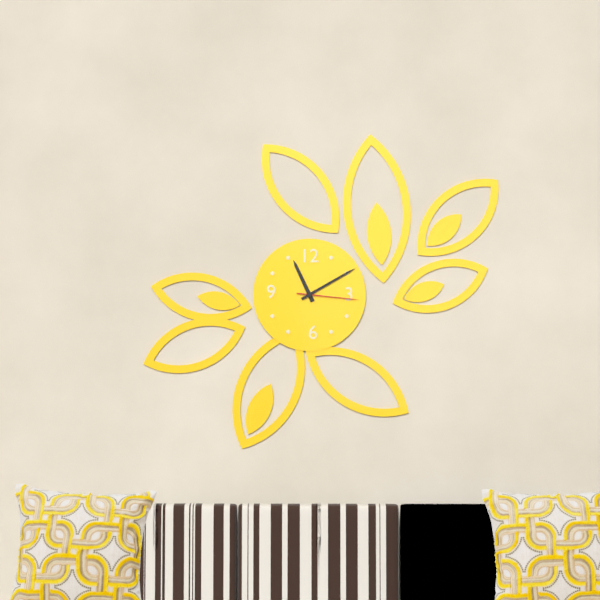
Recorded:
{"hour": 11, "minute": 10, "second": 16}
